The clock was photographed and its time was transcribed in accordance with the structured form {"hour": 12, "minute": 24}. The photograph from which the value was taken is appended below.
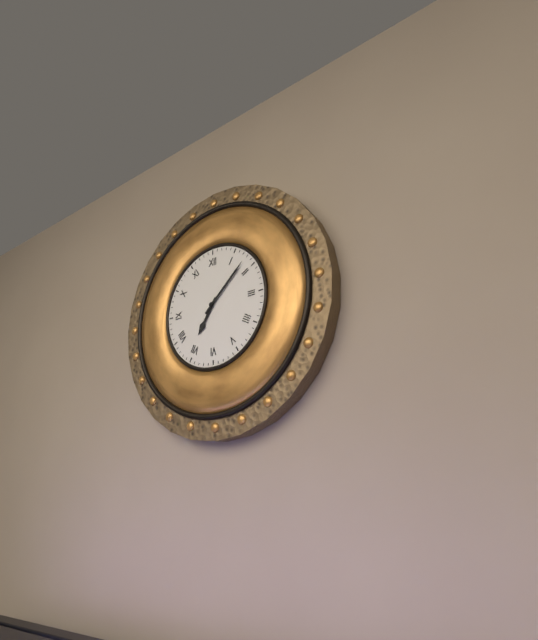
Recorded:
{"hour": 7, "minute": 8}
